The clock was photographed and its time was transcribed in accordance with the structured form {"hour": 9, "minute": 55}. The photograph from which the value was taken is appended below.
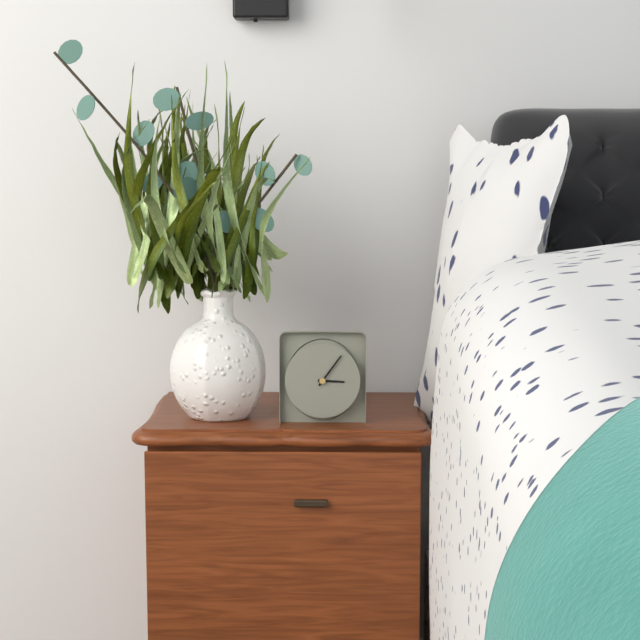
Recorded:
{"hour": 3, "minute": 6}
